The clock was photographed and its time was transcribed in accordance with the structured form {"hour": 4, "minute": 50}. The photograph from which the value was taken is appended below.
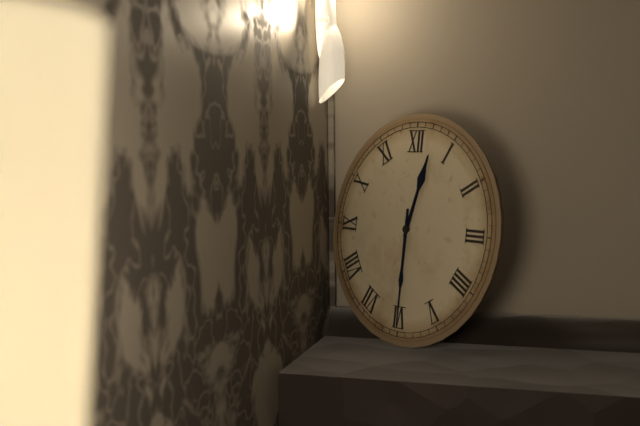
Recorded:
{"hour": 12, "minute": 30}
